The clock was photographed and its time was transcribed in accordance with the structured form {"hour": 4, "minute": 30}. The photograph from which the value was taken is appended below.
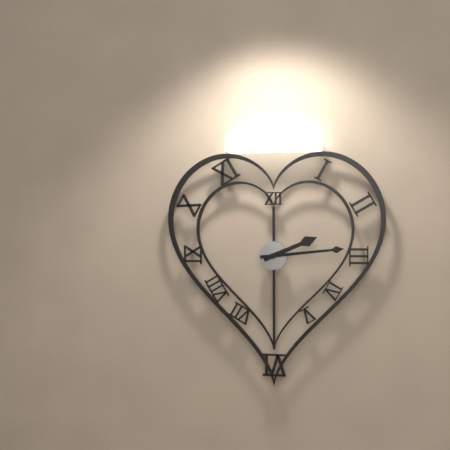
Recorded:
{"hour": 2, "minute": 14}
